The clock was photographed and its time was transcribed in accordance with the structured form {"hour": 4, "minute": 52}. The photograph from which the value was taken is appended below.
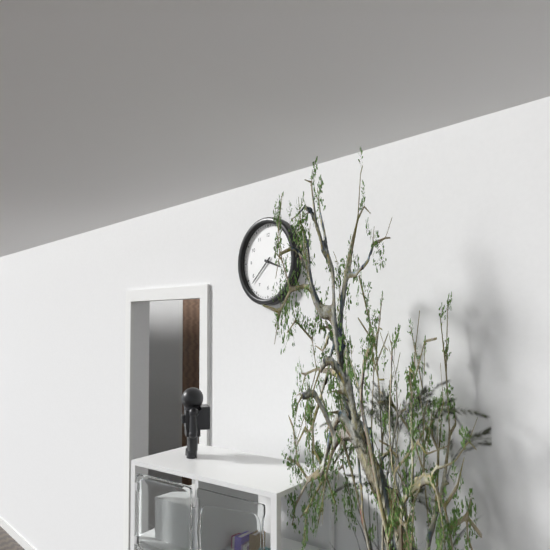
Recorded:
{"hour": 3, "minute": 38}
